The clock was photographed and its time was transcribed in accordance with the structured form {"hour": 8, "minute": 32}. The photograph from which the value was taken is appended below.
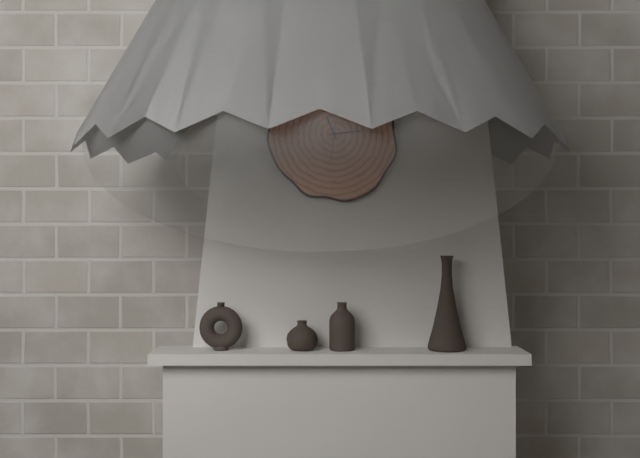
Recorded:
{"hour": 11, "minute": 14}
